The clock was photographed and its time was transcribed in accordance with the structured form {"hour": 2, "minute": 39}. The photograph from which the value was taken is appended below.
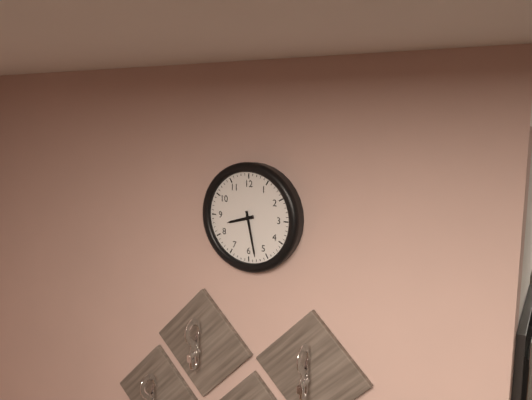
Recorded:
{"hour": 8, "minute": 28}
